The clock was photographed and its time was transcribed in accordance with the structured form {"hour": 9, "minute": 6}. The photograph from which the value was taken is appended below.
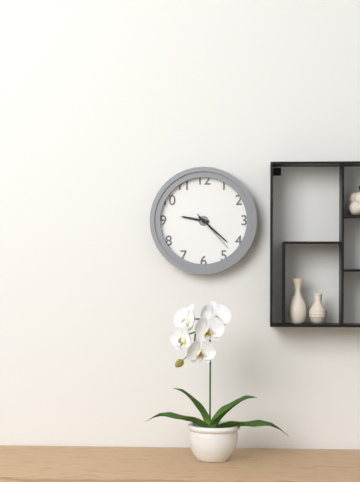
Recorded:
{"hour": 9, "minute": 22}
